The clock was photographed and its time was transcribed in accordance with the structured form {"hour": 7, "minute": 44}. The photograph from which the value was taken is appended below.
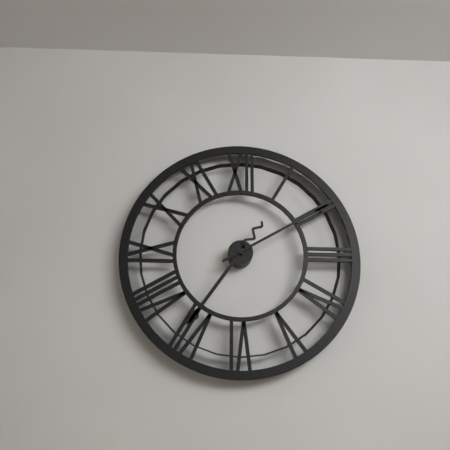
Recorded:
{"hour": 7, "minute": 10}
